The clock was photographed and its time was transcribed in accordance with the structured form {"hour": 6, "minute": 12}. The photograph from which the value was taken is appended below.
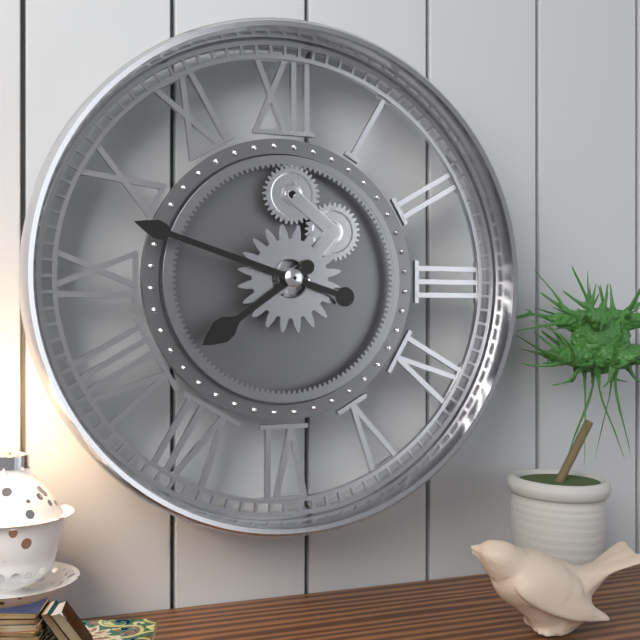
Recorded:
{"hour": 7, "minute": 48}
